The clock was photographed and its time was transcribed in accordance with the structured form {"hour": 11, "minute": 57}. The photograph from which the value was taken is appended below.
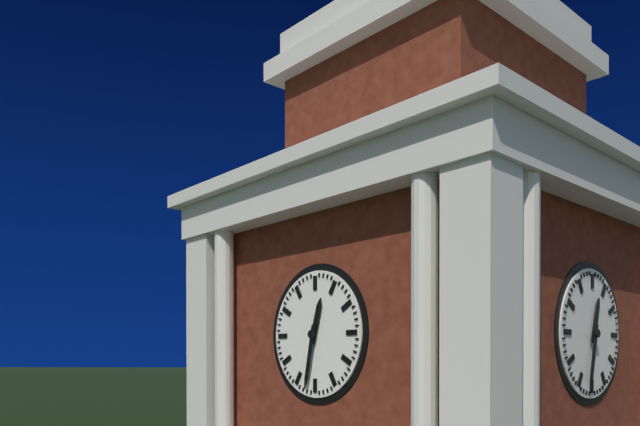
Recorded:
{"hour": 12, "minute": 32}
